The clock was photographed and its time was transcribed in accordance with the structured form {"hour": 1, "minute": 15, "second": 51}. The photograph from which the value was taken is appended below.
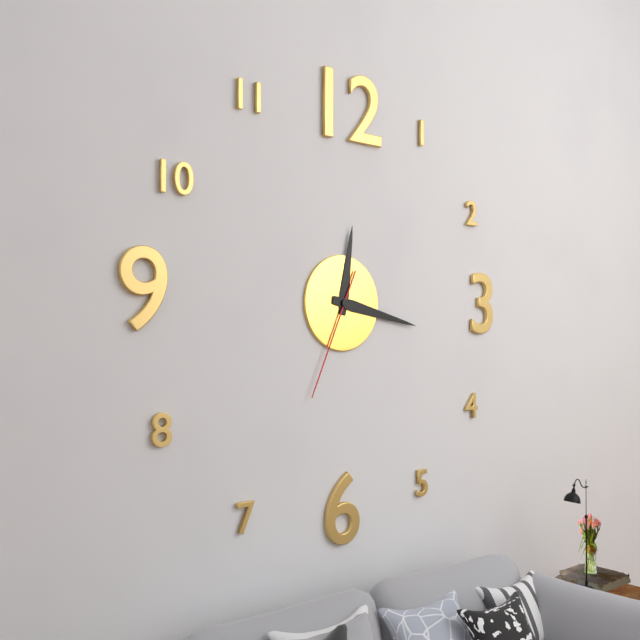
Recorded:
{"hour": 12, "minute": 17, "second": 34}
